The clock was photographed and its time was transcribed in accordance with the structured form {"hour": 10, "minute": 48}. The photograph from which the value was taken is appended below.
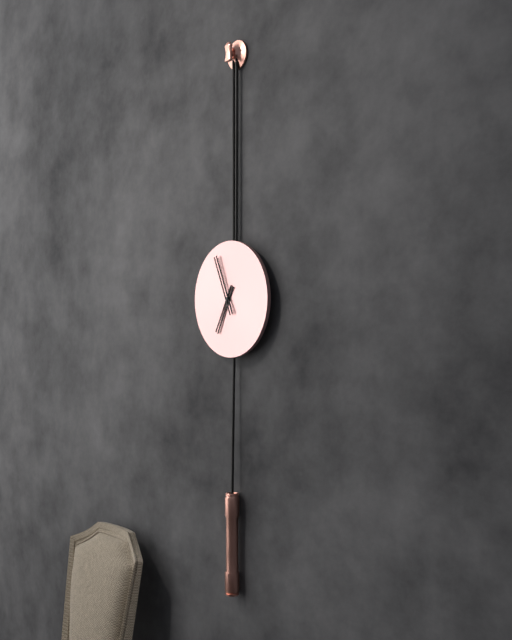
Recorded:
{"hour": 6, "minute": 56}
